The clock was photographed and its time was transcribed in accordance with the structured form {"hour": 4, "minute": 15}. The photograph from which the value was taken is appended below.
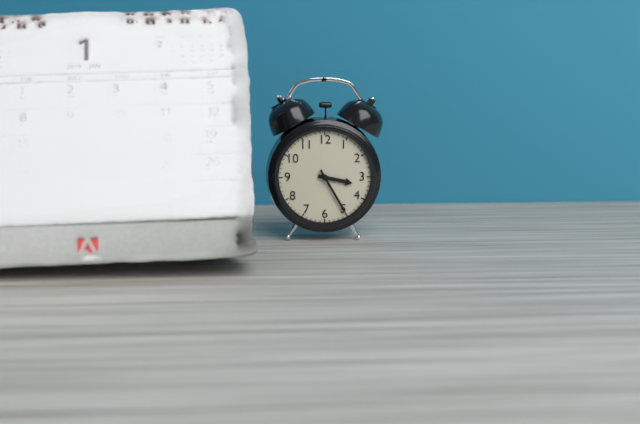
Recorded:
{"hour": 3, "minute": 25}
